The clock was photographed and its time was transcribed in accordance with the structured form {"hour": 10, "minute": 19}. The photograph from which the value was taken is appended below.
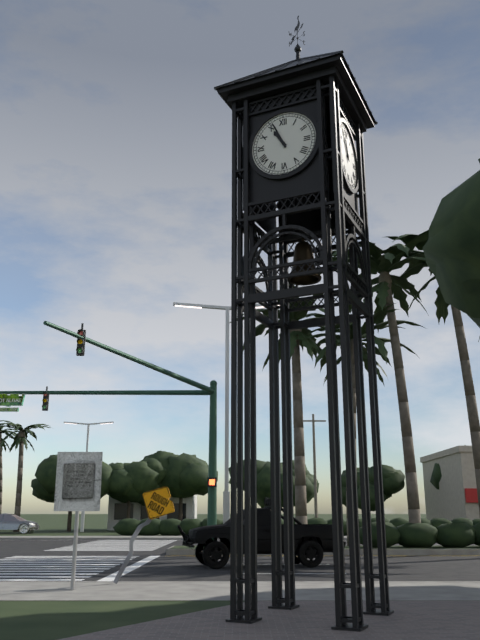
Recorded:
{"hour": 10, "minute": 56}
